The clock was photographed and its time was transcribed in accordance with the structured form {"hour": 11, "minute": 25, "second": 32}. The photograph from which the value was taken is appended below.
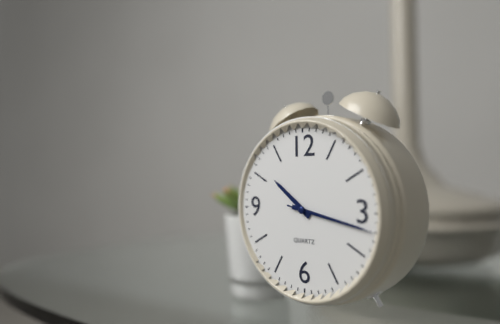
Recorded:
{"hour": 10, "minute": 17, "second": 17}
